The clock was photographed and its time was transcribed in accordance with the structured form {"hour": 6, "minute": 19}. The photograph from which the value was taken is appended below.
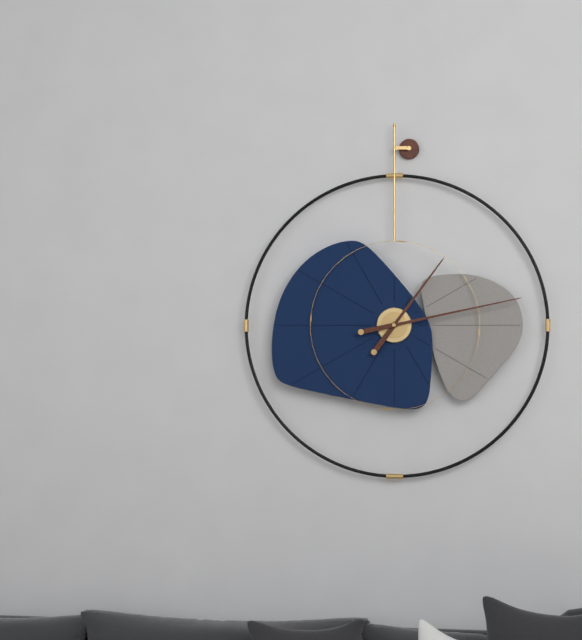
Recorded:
{"hour": 1, "minute": 13}
